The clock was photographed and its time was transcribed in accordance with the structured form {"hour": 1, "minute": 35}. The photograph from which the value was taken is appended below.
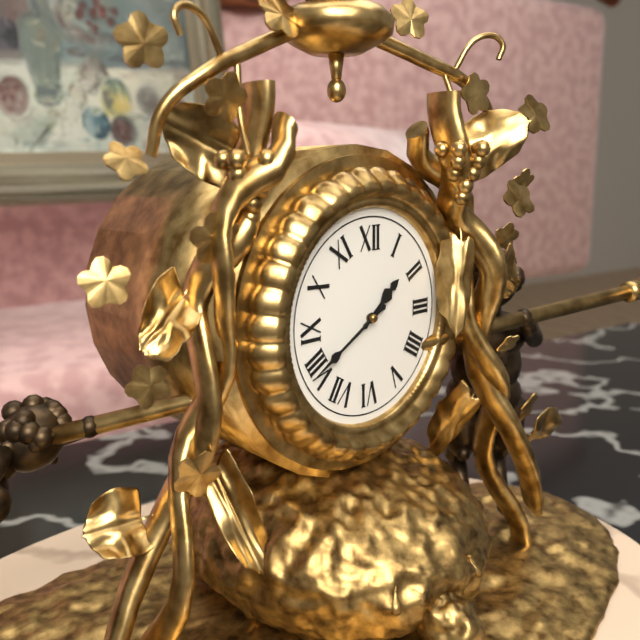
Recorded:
{"hour": 1, "minute": 40}
